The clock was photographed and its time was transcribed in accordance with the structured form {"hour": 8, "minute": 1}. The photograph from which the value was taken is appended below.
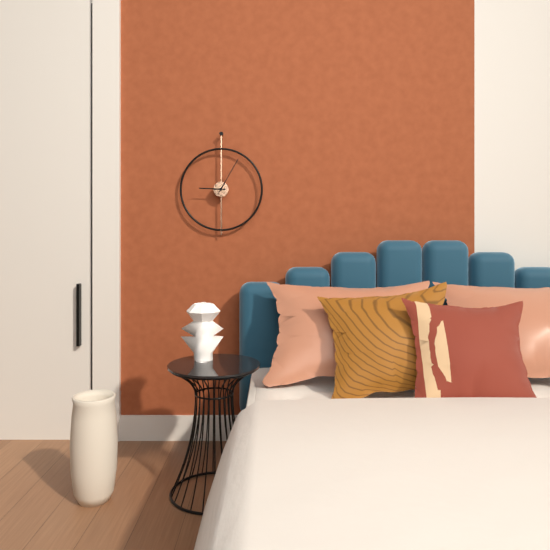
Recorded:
{"hour": 9, "minute": 5}
